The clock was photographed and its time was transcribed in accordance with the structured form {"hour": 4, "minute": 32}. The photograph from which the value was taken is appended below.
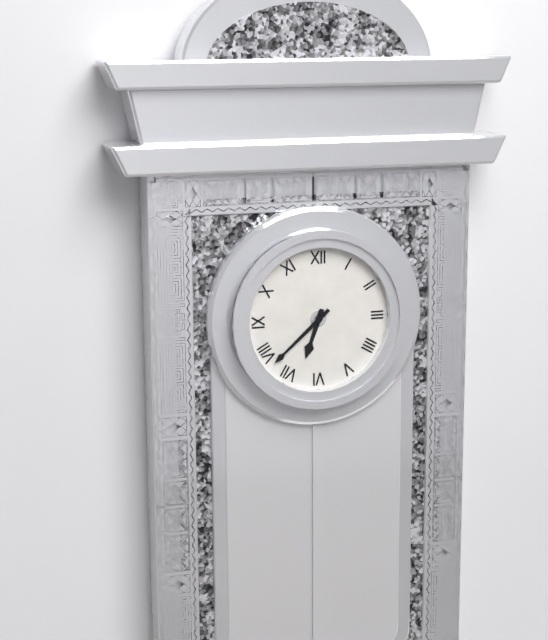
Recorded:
{"hour": 6, "minute": 38}
